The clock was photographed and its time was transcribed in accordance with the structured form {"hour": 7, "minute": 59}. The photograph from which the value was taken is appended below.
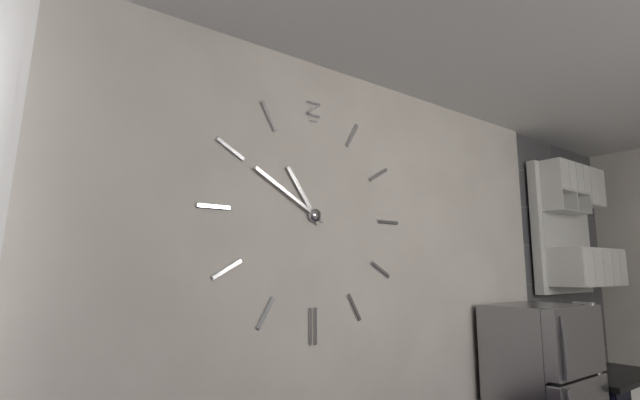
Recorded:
{"hour": 10, "minute": 50}
